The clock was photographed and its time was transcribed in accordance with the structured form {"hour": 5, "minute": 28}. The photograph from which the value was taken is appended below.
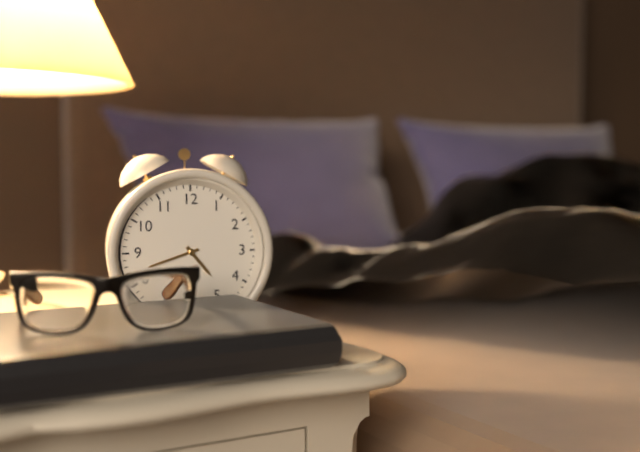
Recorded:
{"hour": 4, "minute": 42}
